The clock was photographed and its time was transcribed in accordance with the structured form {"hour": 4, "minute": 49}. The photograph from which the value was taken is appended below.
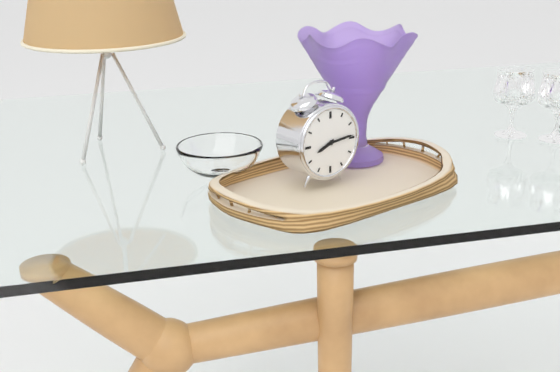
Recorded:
{"hour": 8, "minute": 14}
